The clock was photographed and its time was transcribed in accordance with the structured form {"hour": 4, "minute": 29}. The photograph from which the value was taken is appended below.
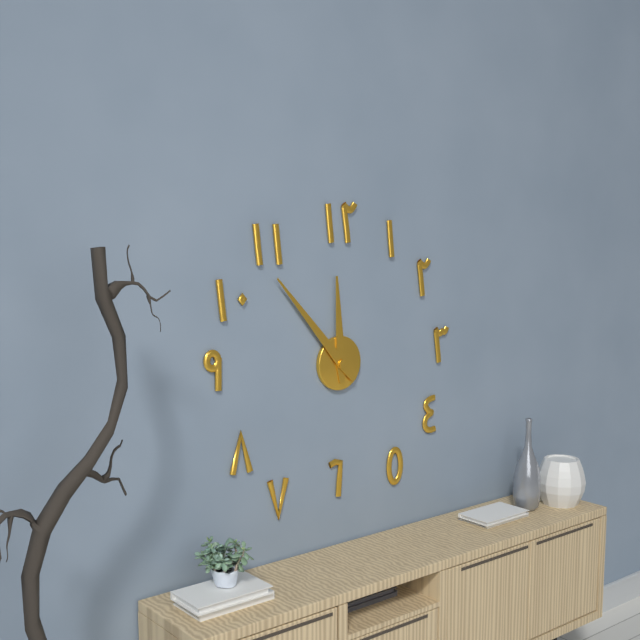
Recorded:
{"hour": 11, "minute": 53}
